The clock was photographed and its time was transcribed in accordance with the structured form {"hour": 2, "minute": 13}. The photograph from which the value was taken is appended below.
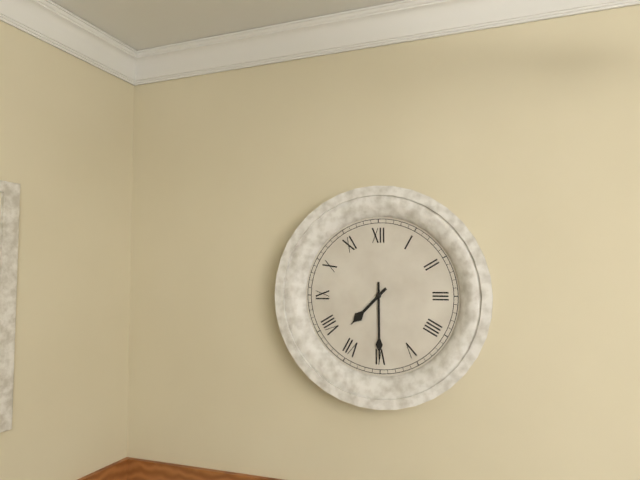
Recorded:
{"hour": 7, "minute": 30}
